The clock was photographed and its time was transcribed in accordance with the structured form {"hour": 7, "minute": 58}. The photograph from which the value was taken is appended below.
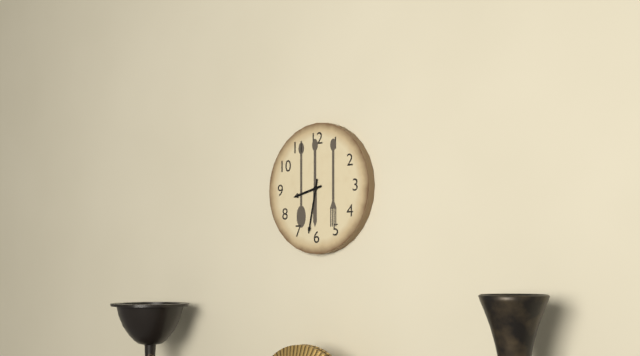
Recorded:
{"hour": 8, "minute": 32}
